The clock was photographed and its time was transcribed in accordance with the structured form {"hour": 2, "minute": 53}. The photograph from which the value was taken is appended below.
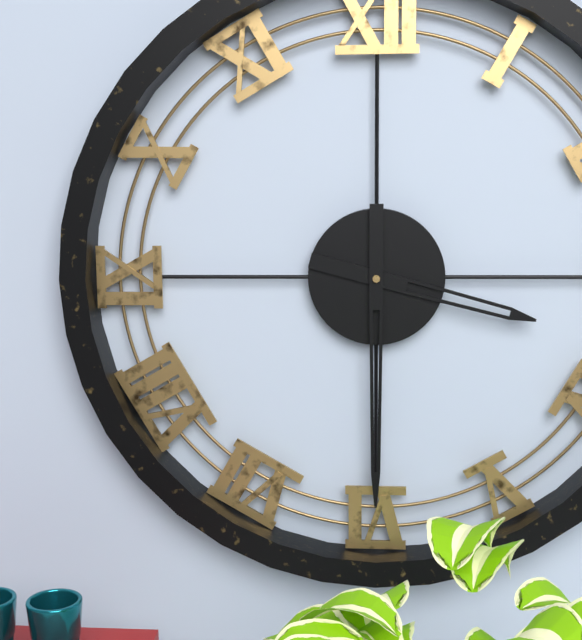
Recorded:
{"hour": 3, "minute": 30}
